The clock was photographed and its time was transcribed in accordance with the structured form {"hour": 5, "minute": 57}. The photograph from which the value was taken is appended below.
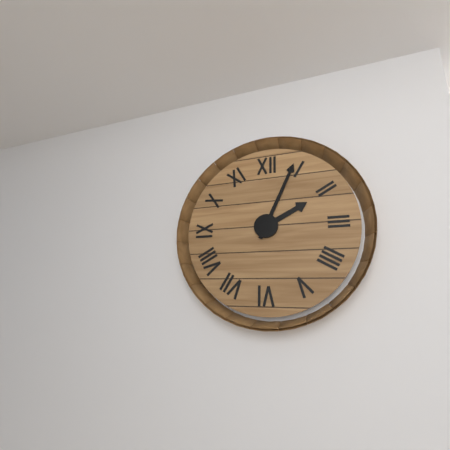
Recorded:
{"hour": 2, "minute": 4}
